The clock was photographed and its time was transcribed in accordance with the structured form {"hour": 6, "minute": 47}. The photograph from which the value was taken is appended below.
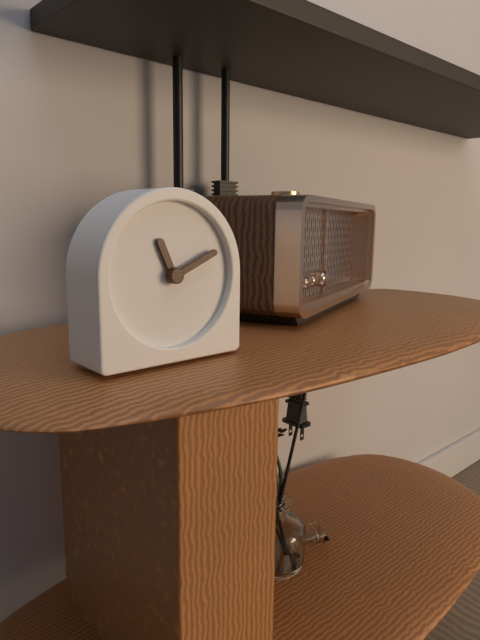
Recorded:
{"hour": 11, "minute": 11}
